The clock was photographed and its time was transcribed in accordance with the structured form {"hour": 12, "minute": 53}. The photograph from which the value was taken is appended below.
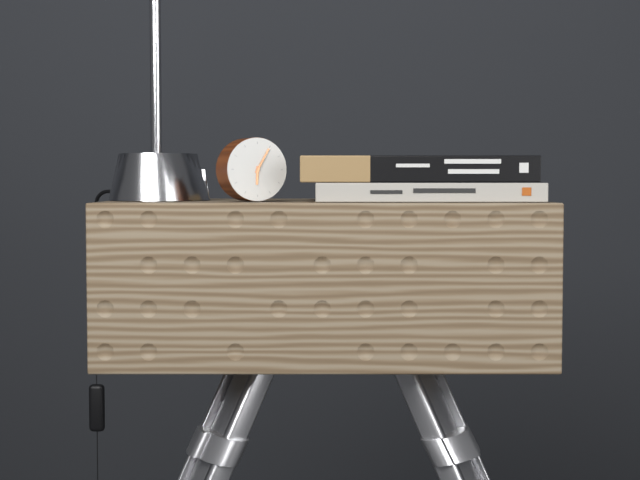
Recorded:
{"hour": 6, "minute": 5}
